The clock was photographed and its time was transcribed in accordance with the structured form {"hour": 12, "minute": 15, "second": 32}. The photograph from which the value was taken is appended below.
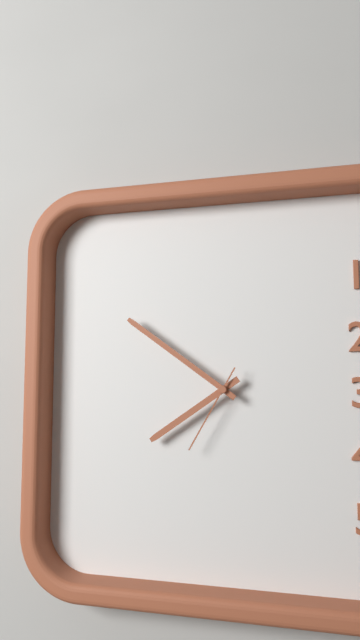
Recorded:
{"hour": 7, "minute": 51, "second": 35}
